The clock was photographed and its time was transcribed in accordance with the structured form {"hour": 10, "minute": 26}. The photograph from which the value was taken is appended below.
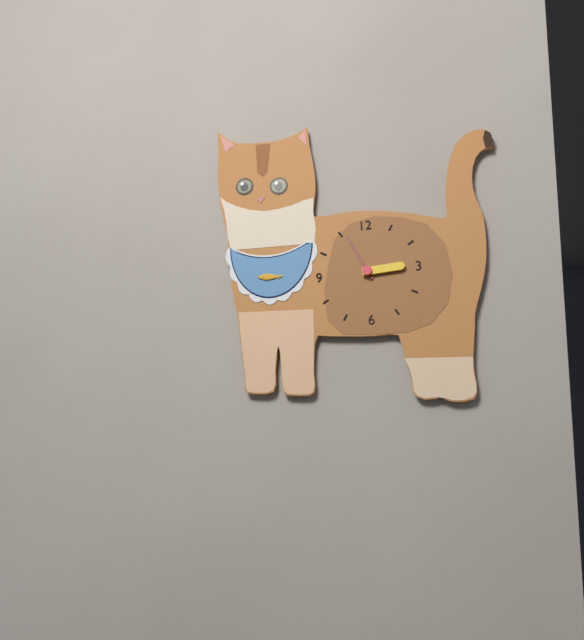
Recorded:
{"hour": 2, "minute": 56}
